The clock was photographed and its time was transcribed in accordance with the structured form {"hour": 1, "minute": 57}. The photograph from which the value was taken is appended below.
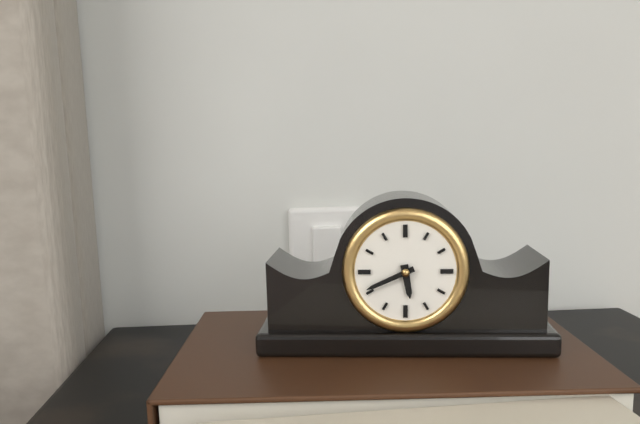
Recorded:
{"hour": 5, "minute": 41}
